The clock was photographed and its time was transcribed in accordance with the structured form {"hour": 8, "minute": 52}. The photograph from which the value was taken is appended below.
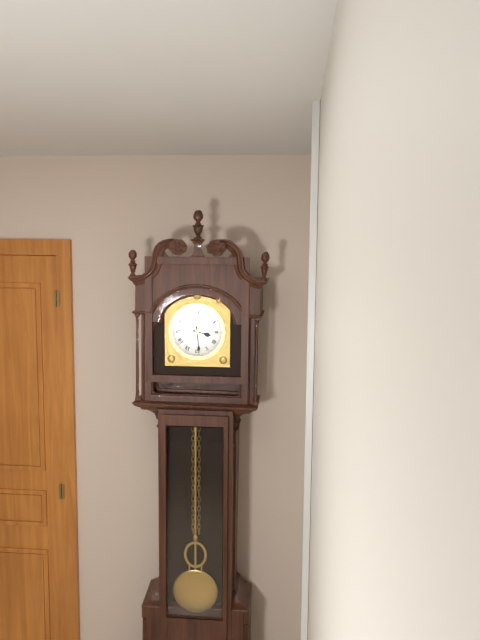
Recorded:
{"hour": 3, "minute": 29}
